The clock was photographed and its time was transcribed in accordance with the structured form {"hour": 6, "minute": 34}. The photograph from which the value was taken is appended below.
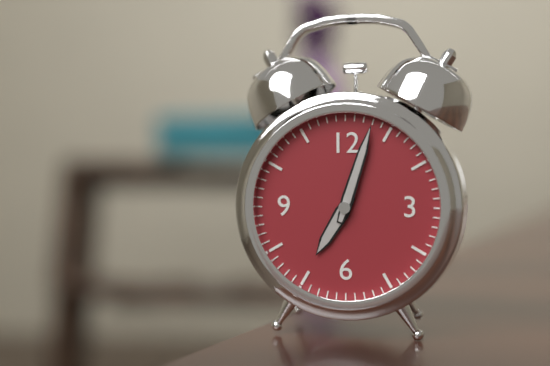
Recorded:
{"hour": 7, "minute": 3}
